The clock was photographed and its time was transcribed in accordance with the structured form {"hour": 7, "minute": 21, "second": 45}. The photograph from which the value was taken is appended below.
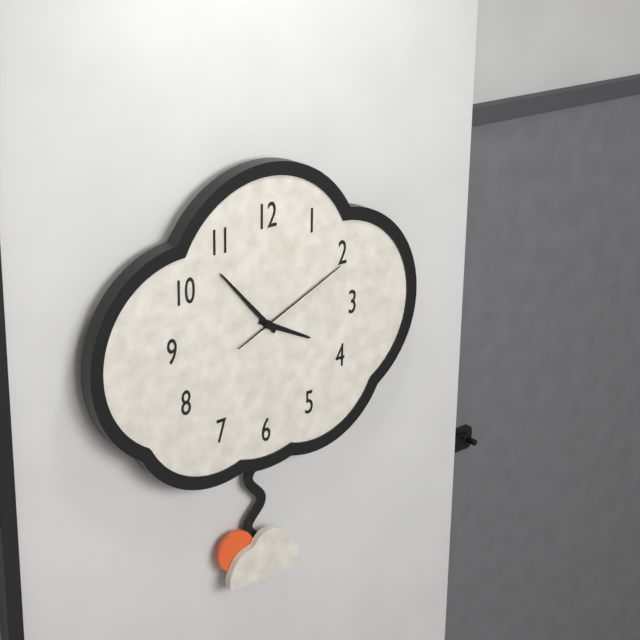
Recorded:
{"hour": 3, "minute": 53, "second": 11}
